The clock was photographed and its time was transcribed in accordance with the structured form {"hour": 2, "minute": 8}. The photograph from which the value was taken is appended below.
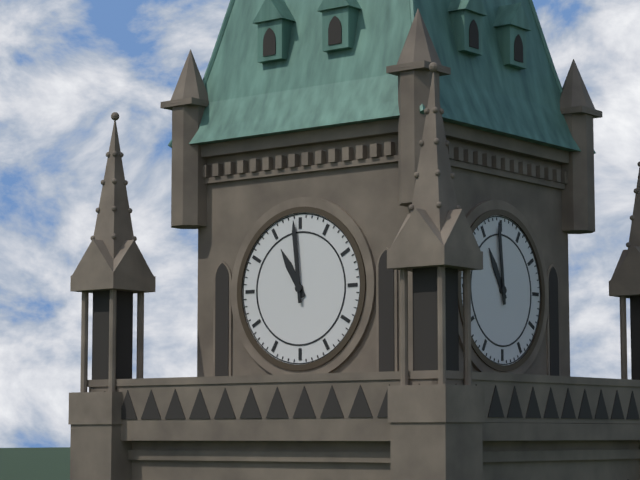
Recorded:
{"hour": 10, "minute": 59}
